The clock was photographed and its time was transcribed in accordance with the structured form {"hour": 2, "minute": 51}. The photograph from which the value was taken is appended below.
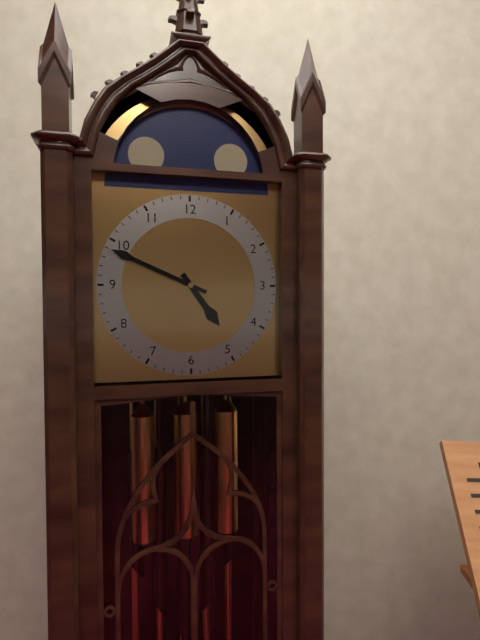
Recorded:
{"hour": 4, "minute": 49}
